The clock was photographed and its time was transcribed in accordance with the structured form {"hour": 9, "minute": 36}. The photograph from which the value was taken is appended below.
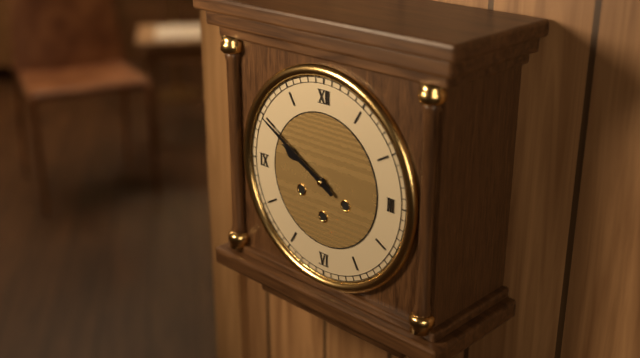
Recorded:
{"hour": 9, "minute": 50}
